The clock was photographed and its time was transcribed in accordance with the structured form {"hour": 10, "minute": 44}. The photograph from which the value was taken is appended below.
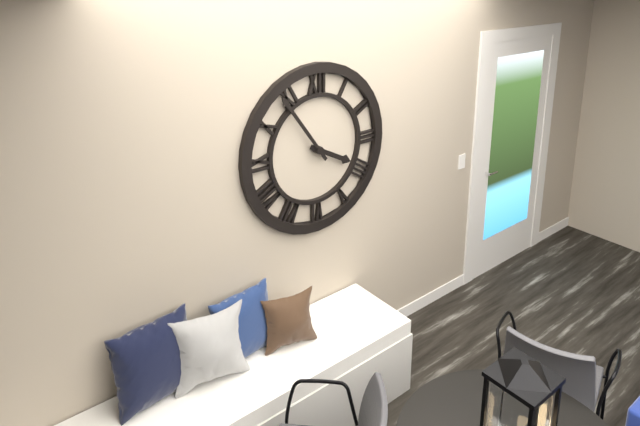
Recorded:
{"hour": 3, "minute": 54}
